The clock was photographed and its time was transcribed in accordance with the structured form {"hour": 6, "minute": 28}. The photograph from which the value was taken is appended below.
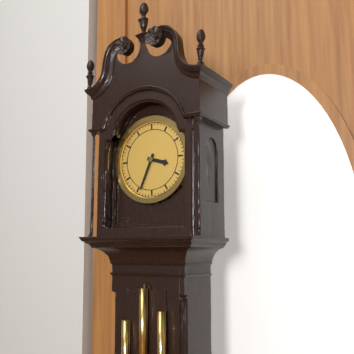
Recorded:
{"hour": 3, "minute": 34}
